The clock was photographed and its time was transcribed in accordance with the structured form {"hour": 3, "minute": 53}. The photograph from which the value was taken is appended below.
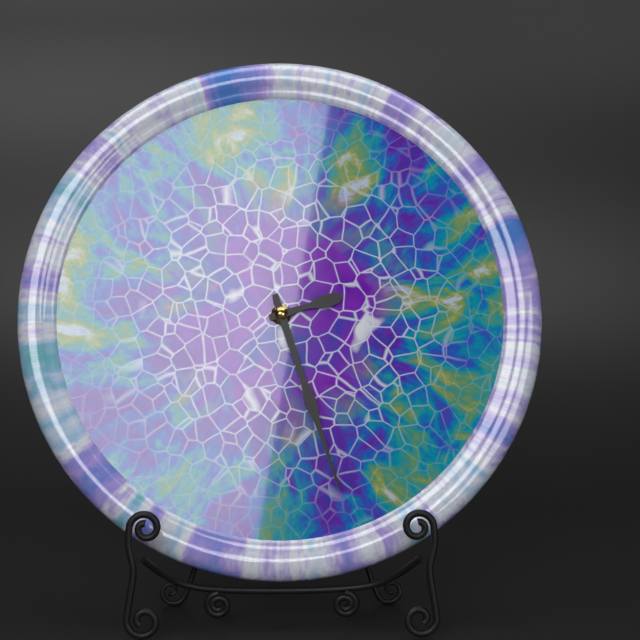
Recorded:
{"hour": 2, "minute": 27}
